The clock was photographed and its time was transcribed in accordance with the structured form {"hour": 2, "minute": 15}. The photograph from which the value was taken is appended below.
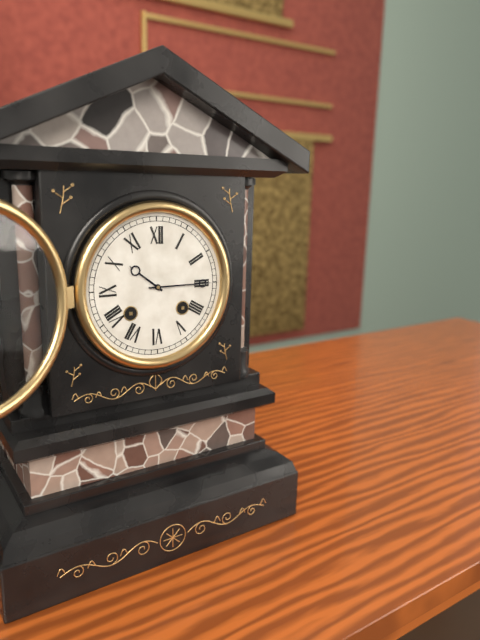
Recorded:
{"hour": 10, "minute": 15}
